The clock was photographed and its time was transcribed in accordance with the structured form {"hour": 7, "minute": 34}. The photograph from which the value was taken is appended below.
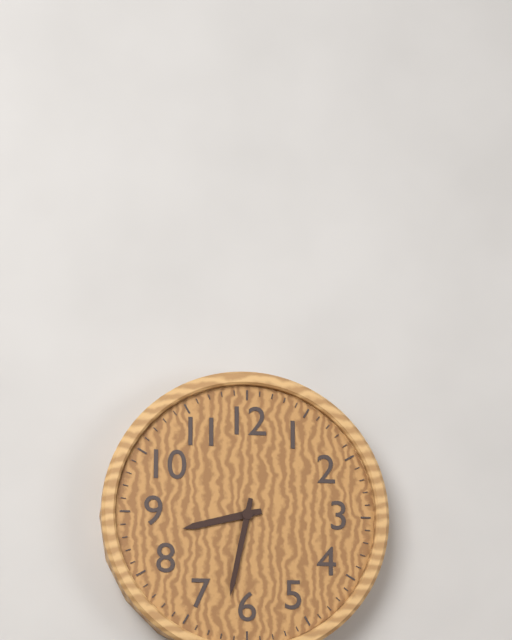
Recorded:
{"hour": 8, "minute": 32}
